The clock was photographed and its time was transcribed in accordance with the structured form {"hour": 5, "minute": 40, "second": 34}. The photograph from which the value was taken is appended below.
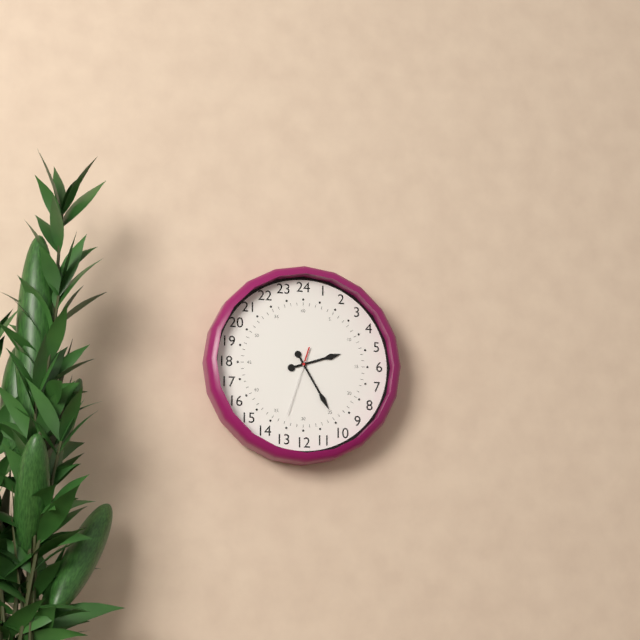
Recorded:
{"hour": 2, "minute": 25, "second": 33}
